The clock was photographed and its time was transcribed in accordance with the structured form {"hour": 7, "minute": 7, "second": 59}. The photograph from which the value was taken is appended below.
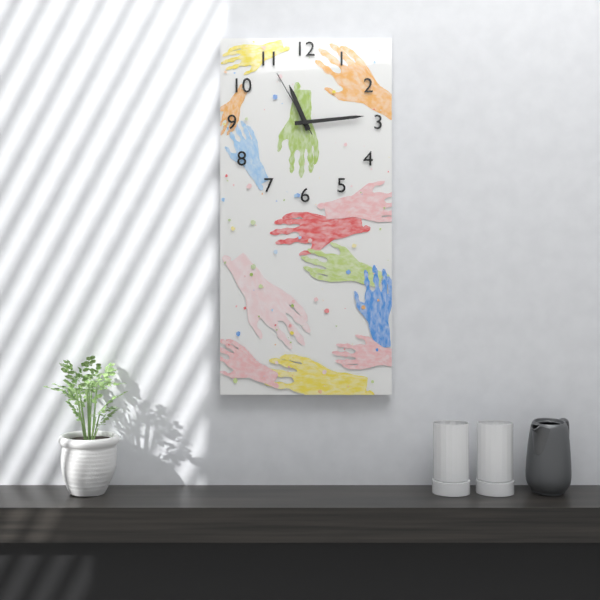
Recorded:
{"hour": 11, "minute": 14, "second": 55}
